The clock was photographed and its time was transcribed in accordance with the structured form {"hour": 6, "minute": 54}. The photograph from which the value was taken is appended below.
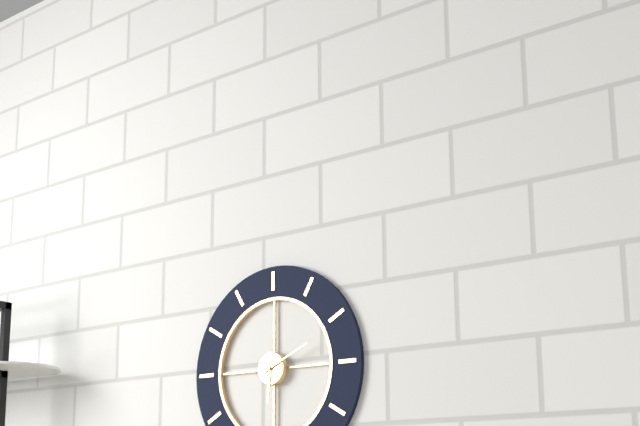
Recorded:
{"hour": 6, "minute": 11}
